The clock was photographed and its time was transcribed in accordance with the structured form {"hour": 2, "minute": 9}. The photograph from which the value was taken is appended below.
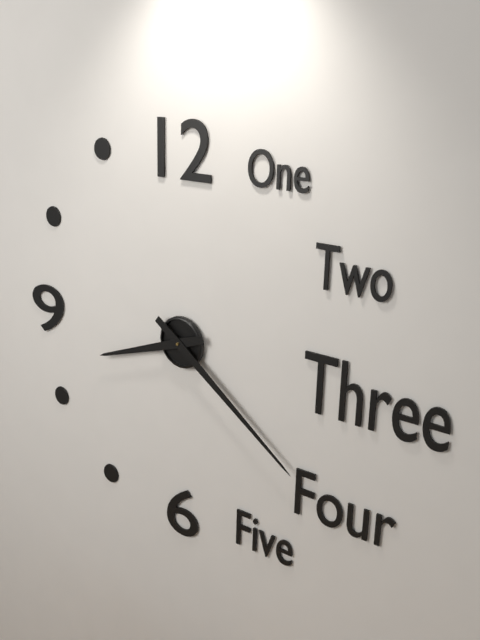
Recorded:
{"hour": 8, "minute": 21}
